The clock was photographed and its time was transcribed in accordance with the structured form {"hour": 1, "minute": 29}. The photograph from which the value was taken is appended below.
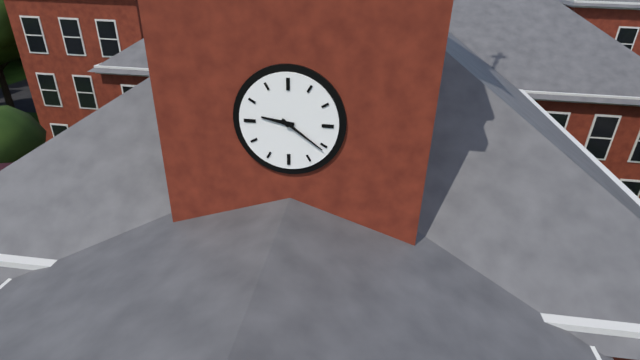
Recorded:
{"hour": 9, "minute": 21}
